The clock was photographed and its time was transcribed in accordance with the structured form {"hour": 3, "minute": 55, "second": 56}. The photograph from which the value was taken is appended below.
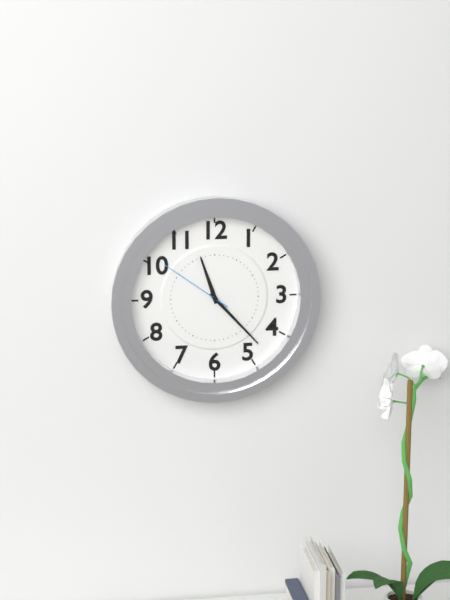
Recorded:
{"hour": 11, "minute": 23, "second": 51}
